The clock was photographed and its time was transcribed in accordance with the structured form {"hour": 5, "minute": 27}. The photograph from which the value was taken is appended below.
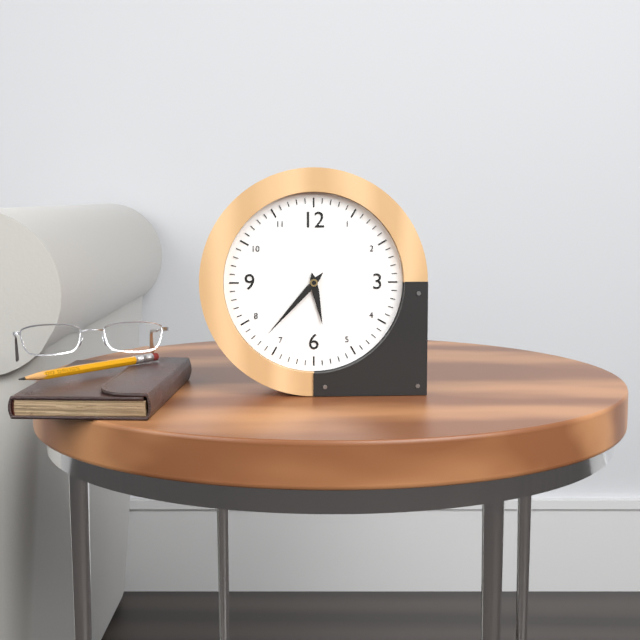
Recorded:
{"hour": 5, "minute": 37}
